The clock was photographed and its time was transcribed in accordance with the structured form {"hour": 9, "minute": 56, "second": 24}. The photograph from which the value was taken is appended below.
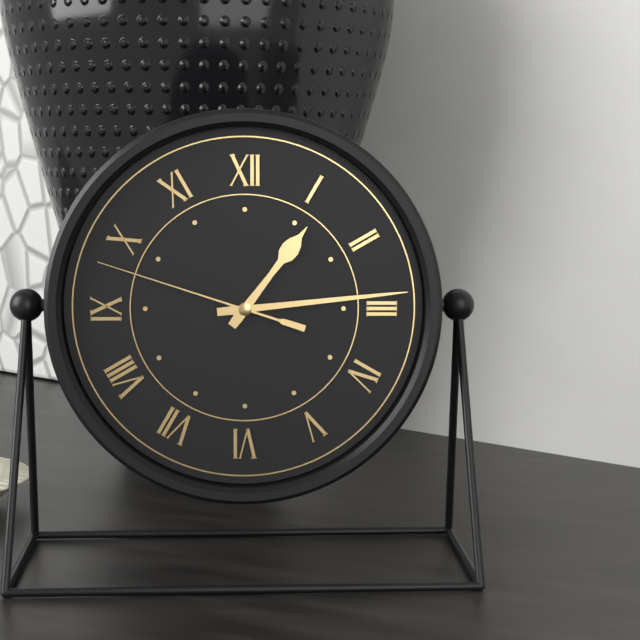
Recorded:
{"hour": 1, "minute": 14, "second": 48}
